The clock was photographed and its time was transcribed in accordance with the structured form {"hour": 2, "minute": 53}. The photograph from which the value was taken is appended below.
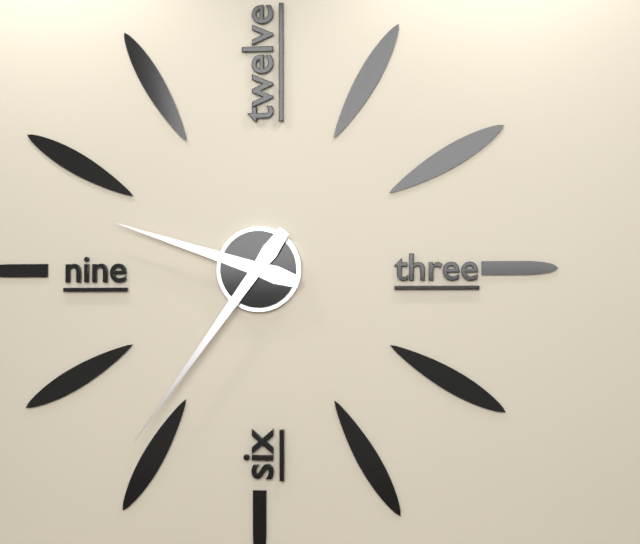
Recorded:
{"hour": 9, "minute": 36}
